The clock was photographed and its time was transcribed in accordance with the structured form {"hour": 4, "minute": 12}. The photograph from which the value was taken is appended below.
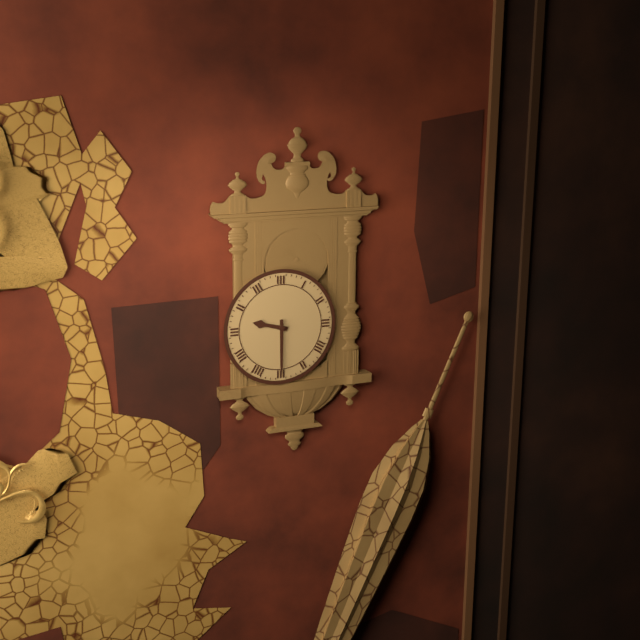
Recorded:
{"hour": 9, "minute": 30}
